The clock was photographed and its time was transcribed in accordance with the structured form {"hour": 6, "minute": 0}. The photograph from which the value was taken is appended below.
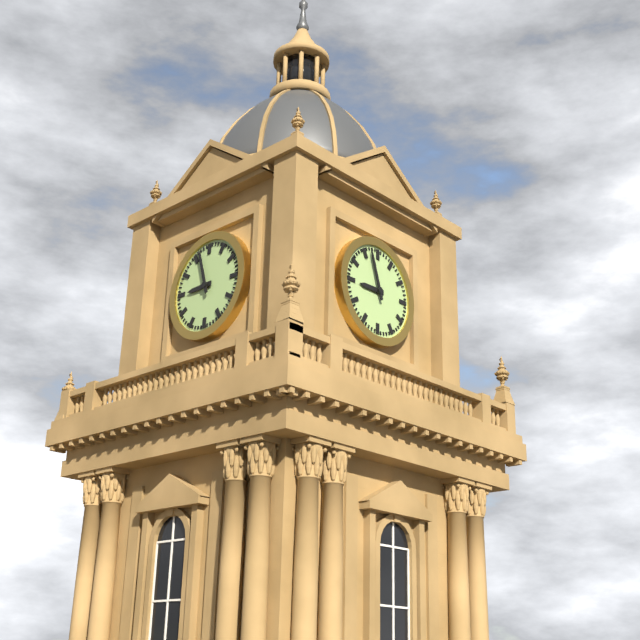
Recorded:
{"hour": 8, "minute": 57}
